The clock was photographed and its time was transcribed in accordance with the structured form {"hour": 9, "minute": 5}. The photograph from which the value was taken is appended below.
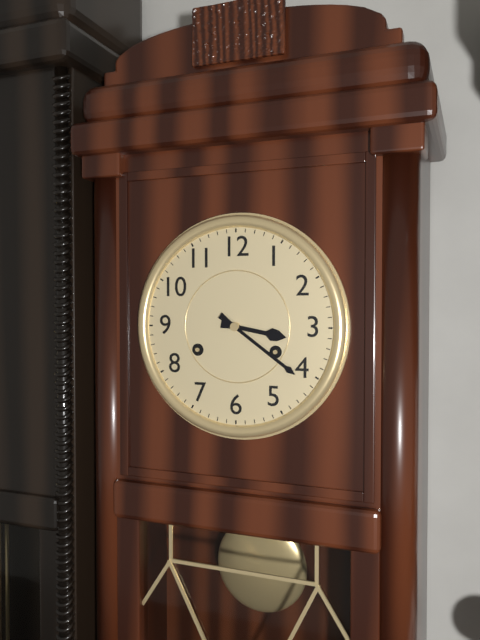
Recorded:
{"hour": 3, "minute": 21}
